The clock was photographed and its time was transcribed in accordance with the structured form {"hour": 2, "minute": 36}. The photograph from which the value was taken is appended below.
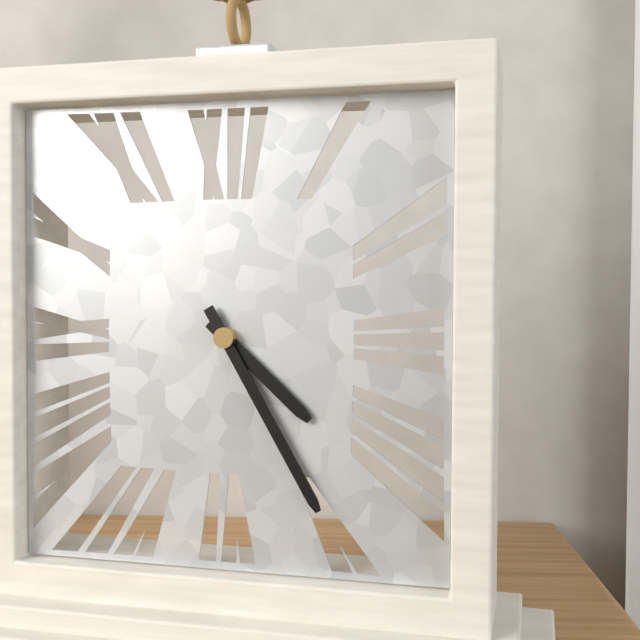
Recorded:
{"hour": 4, "minute": 25}
